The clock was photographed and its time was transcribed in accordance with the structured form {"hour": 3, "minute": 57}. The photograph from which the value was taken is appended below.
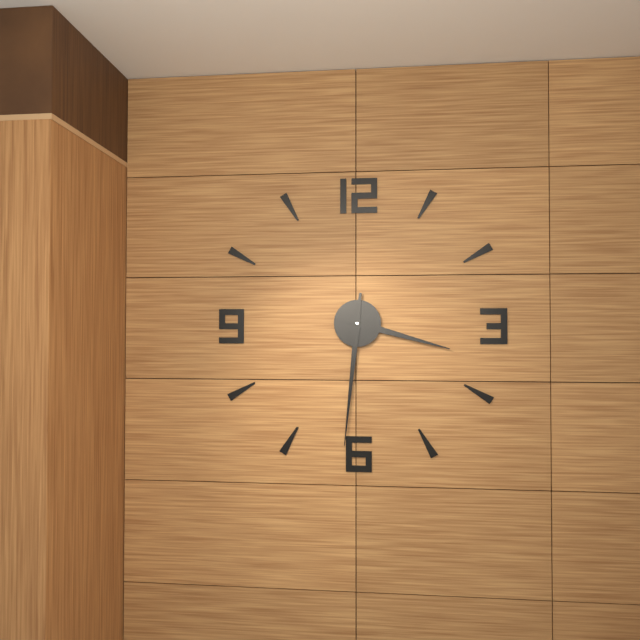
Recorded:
{"hour": 3, "minute": 31}
